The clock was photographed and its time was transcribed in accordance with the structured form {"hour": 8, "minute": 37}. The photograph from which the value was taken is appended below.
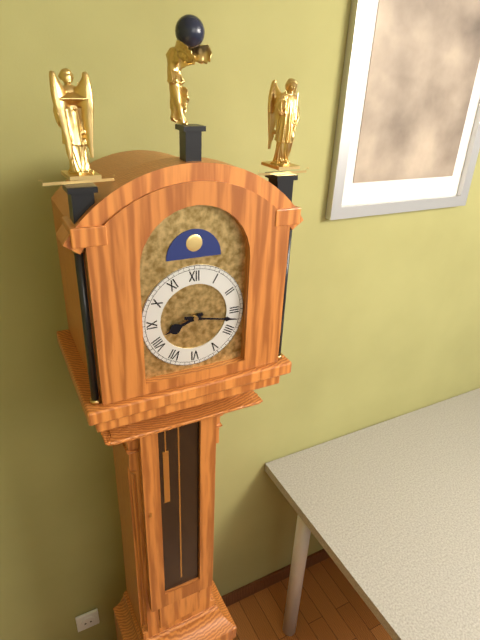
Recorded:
{"hour": 8, "minute": 17}
